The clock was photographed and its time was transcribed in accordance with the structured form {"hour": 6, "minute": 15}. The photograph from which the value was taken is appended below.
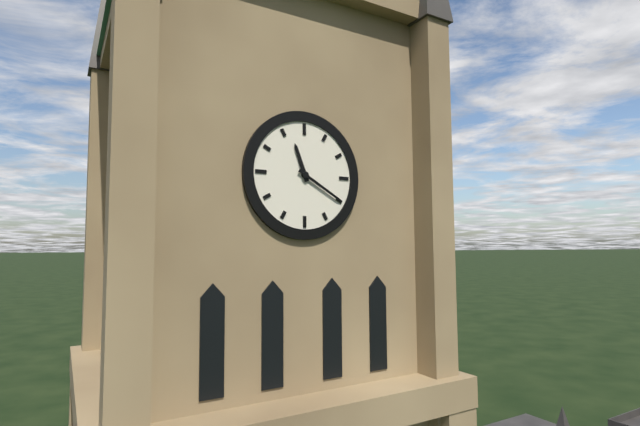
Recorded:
{"hour": 11, "minute": 20}
